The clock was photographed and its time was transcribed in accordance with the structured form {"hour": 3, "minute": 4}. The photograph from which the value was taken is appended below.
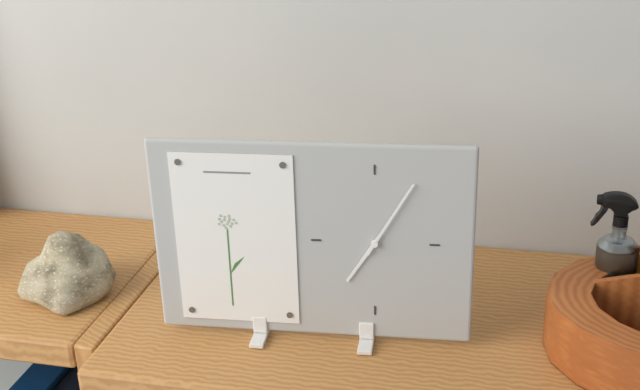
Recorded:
{"hour": 7, "minute": 5}
